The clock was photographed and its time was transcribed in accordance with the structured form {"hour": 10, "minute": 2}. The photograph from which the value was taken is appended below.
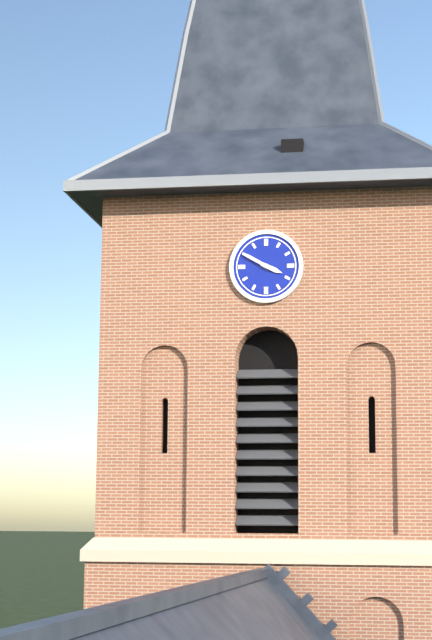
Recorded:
{"hour": 3, "minute": 50}
